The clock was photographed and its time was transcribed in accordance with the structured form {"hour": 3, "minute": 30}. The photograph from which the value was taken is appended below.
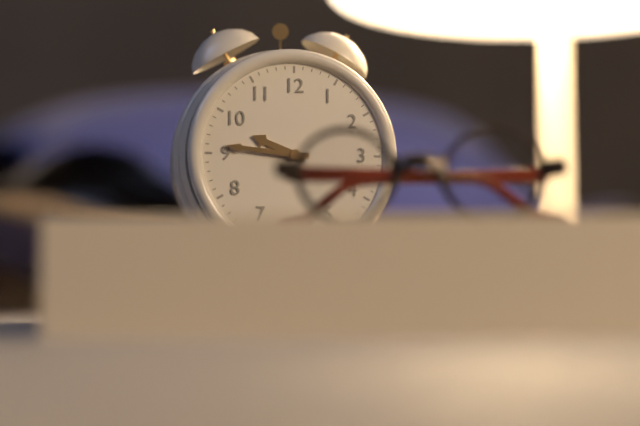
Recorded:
{"hour": 9, "minute": 46}
